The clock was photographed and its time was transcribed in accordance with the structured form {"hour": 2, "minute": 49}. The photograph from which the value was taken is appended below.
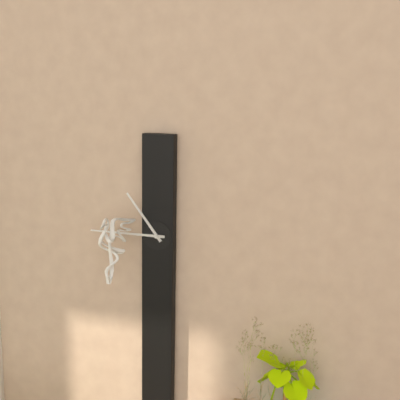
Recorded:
{"hour": 10, "minute": 45}
